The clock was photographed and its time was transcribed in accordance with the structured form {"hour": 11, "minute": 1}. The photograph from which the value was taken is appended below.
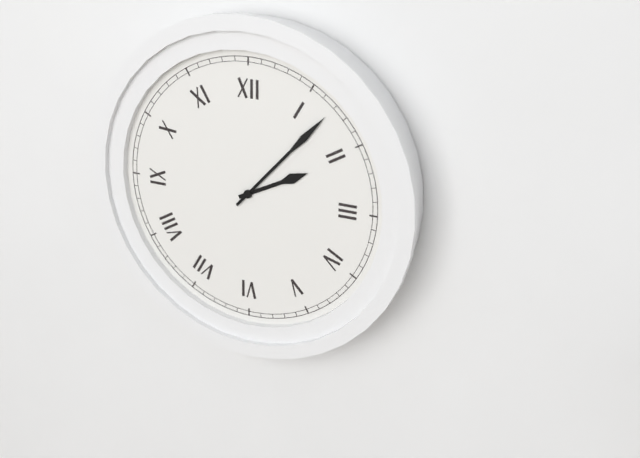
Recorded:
{"hour": 2, "minute": 7}
